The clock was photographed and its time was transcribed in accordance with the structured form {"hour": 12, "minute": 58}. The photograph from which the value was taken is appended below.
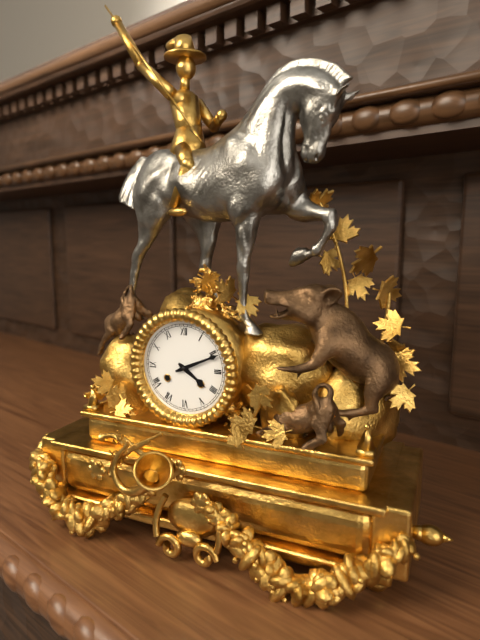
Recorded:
{"hour": 4, "minute": 11}
